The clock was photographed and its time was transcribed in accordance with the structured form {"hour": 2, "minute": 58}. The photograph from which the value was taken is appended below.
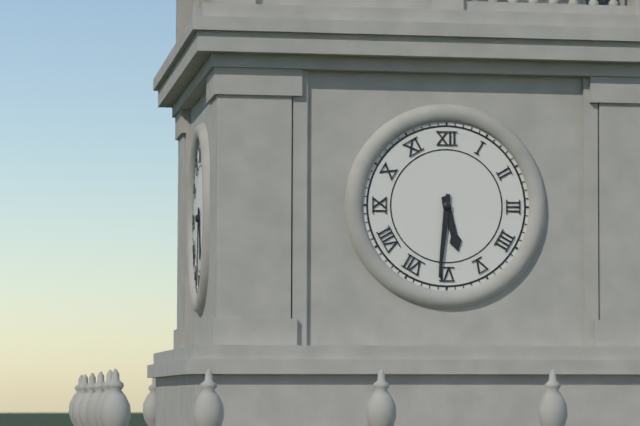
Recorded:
{"hour": 5, "minute": 31}
